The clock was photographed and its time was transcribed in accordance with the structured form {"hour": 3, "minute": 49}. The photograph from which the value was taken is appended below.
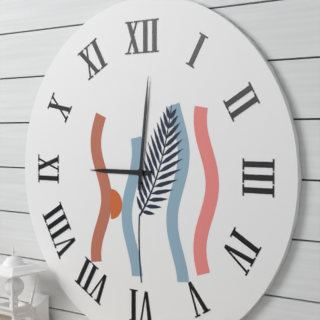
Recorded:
{"hour": 9, "minute": 1}
